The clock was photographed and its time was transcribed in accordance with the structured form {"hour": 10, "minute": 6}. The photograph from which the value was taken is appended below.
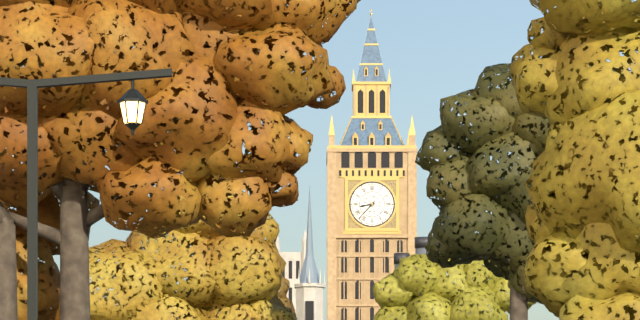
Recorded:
{"hour": 8, "minute": 37}
